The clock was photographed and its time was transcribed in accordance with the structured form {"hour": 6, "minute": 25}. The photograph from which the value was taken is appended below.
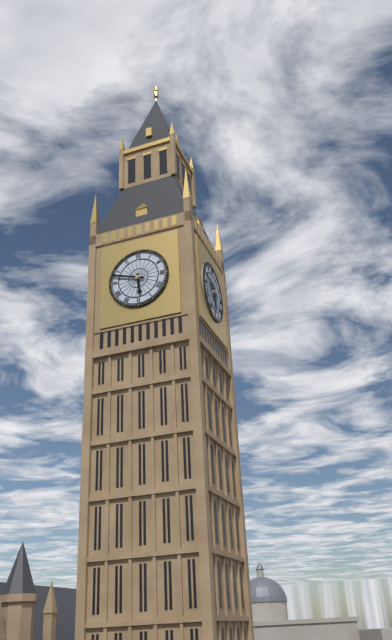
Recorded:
{"hour": 5, "minute": 48}
